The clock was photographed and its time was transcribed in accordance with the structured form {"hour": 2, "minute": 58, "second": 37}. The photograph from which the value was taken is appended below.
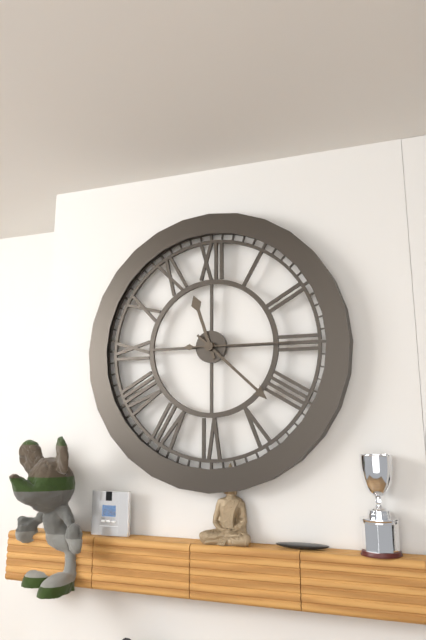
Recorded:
{"hour": 11, "minute": 22, "second": 15}
